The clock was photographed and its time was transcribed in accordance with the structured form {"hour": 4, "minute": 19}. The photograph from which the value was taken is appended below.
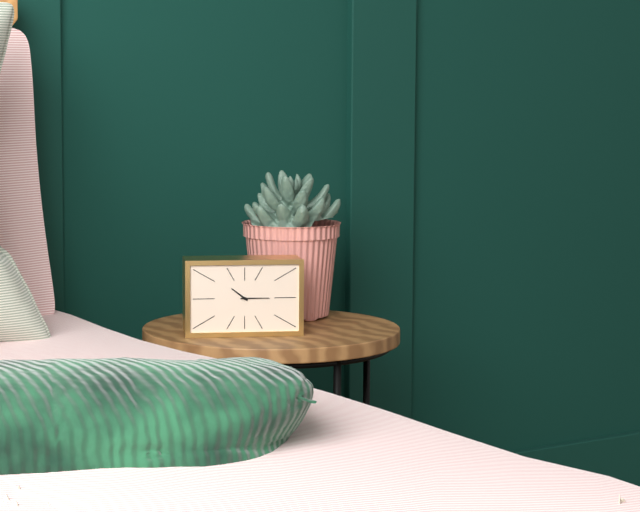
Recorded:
{"hour": 10, "minute": 15}
